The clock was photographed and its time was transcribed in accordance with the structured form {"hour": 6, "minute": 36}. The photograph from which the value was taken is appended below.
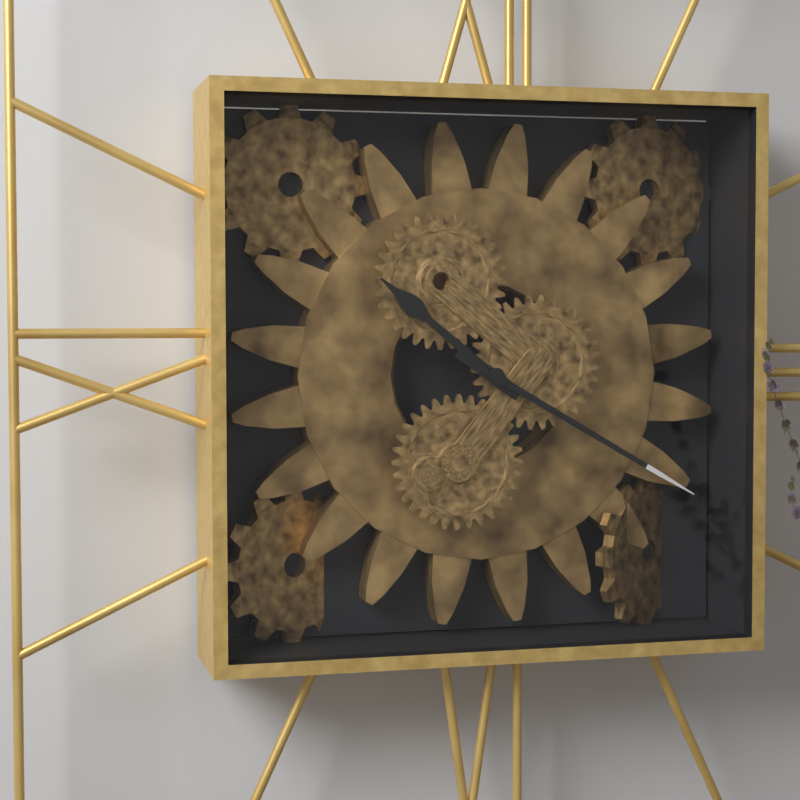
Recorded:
{"hour": 10, "minute": 20}
